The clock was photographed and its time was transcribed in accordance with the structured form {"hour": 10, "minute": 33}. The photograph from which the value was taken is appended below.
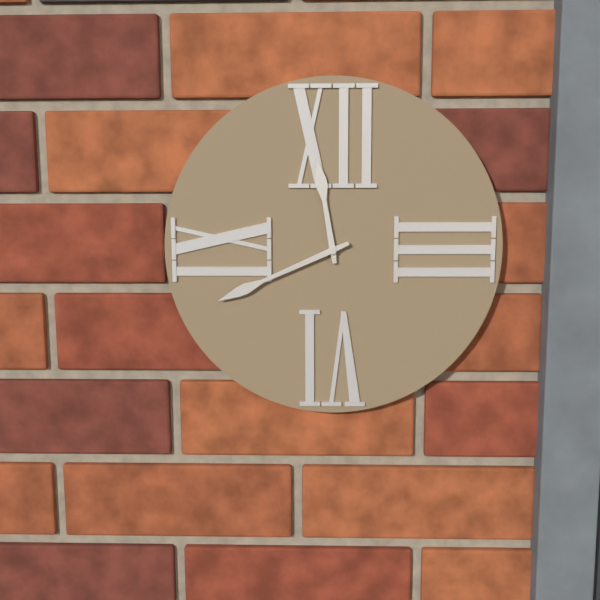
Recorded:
{"hour": 11, "minute": 41}
